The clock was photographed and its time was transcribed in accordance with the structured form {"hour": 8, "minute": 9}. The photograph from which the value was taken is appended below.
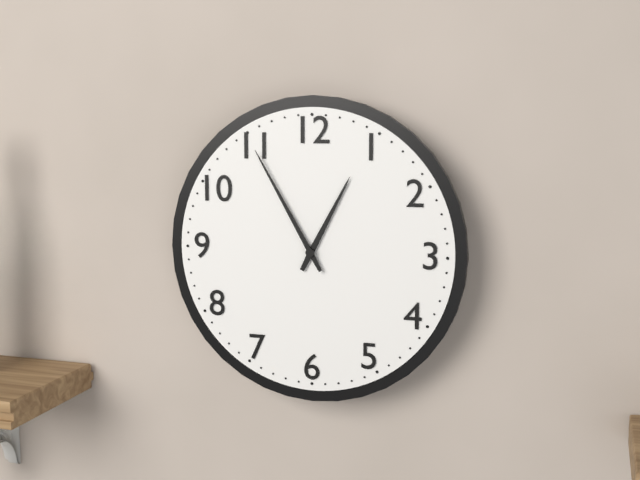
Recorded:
{"hour": 12, "minute": 55}
